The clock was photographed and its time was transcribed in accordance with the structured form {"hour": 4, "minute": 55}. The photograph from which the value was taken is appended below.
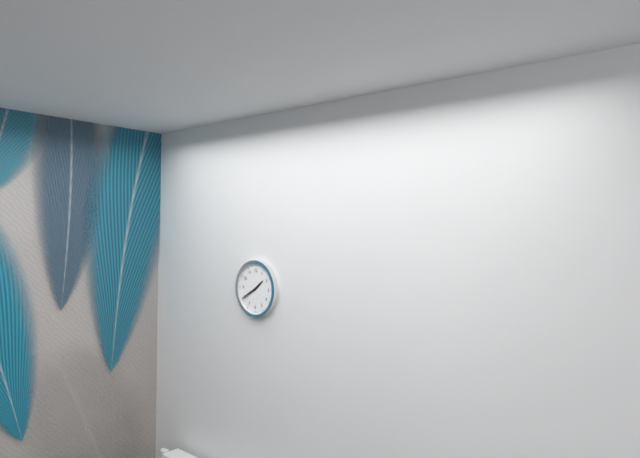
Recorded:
{"hour": 1, "minute": 40}
